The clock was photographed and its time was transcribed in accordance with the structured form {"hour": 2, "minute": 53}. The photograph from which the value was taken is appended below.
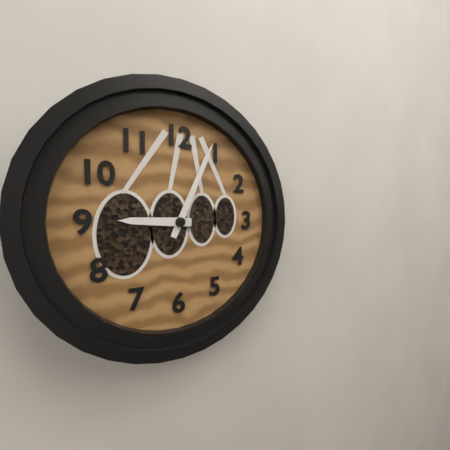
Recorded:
{"hour": 9, "minute": 4}
